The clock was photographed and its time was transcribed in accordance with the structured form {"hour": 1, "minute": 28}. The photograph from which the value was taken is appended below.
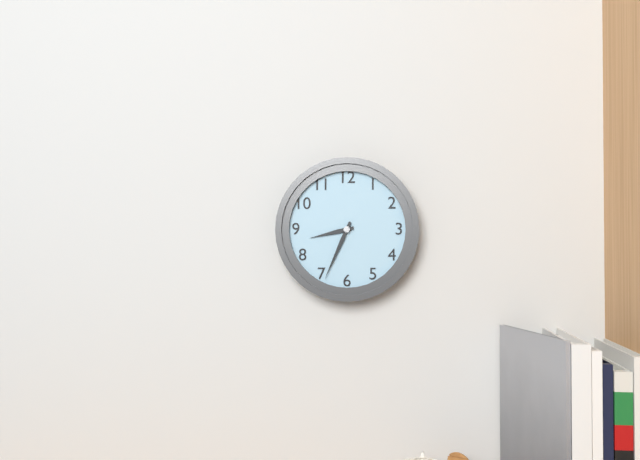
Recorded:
{"hour": 8, "minute": 34}
